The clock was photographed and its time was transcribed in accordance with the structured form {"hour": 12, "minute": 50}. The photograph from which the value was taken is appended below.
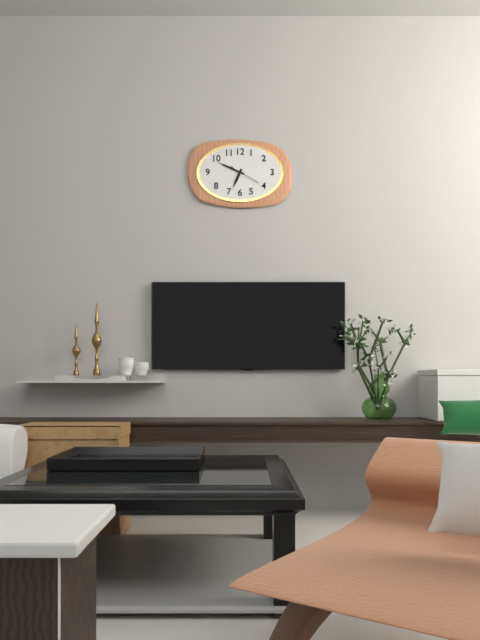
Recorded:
{"hour": 6, "minute": 49}
